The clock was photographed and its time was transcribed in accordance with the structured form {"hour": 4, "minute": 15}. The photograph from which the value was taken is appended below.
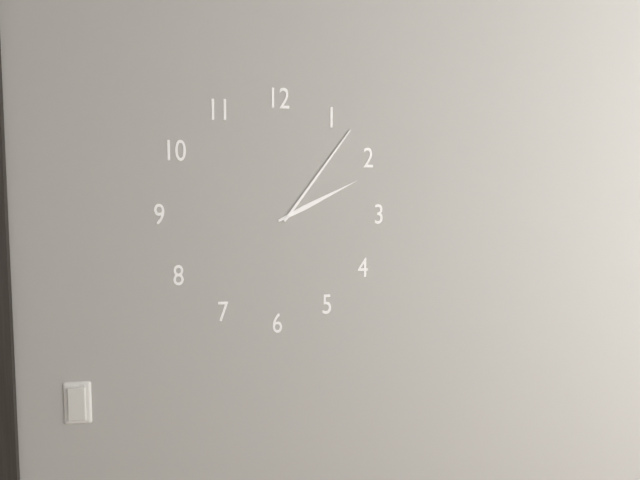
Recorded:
{"hour": 2, "minute": 6}
